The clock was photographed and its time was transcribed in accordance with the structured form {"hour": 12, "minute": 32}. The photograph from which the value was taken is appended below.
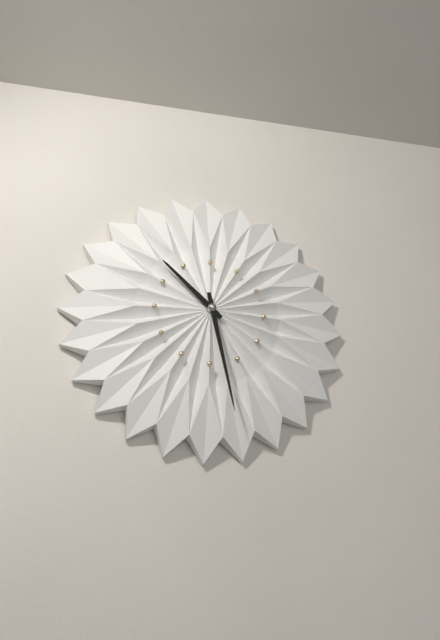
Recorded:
{"hour": 10, "minute": 28}
